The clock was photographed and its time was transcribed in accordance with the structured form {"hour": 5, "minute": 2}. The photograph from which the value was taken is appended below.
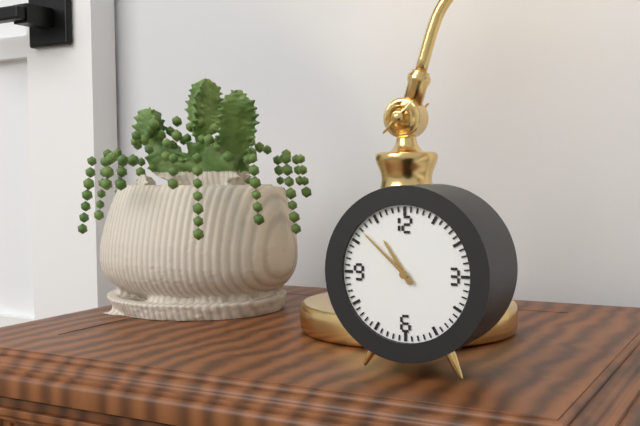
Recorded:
{"hour": 10, "minute": 52}
